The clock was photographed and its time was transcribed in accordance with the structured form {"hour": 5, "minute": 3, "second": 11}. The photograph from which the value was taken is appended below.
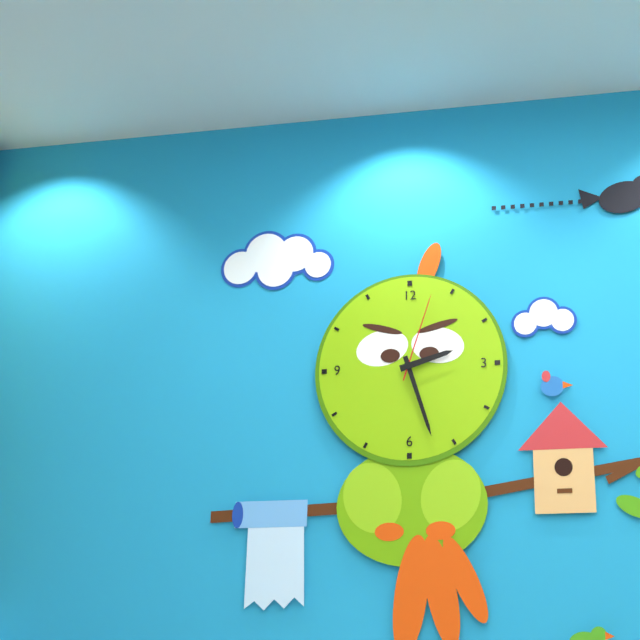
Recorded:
{"hour": 2, "minute": 27, "second": 3}
